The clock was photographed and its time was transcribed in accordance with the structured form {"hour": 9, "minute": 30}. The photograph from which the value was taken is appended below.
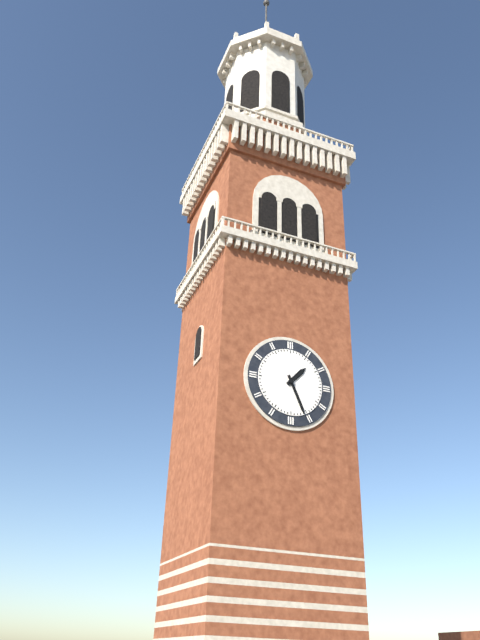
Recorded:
{"hour": 1, "minute": 26}
